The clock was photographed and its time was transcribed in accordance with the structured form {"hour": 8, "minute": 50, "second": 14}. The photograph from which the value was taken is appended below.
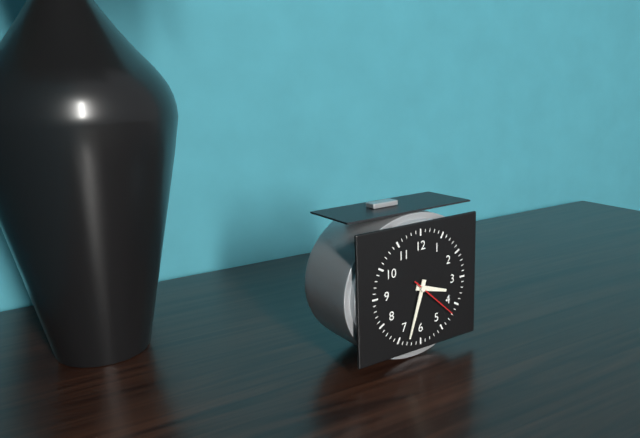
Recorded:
{"hour": 3, "minute": 33, "second": 22}
